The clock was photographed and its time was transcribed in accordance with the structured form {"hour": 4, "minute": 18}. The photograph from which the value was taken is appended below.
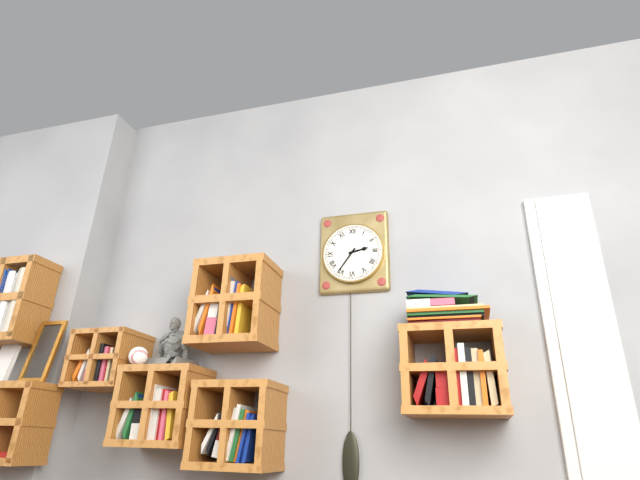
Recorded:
{"hour": 2, "minute": 36}
